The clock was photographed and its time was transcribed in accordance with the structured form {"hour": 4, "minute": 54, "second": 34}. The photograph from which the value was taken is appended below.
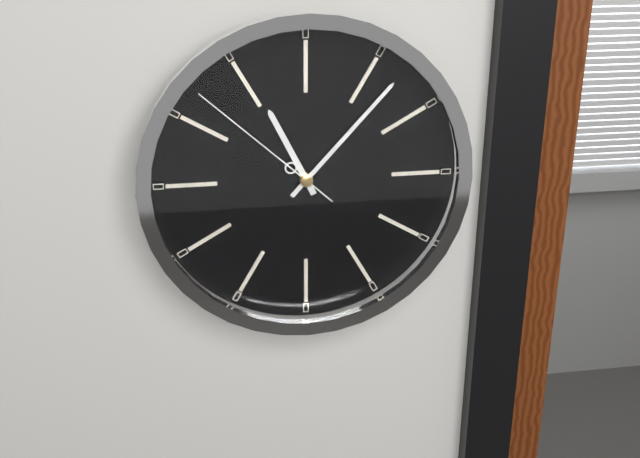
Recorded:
{"hour": 11, "minute": 7, "second": 52}
